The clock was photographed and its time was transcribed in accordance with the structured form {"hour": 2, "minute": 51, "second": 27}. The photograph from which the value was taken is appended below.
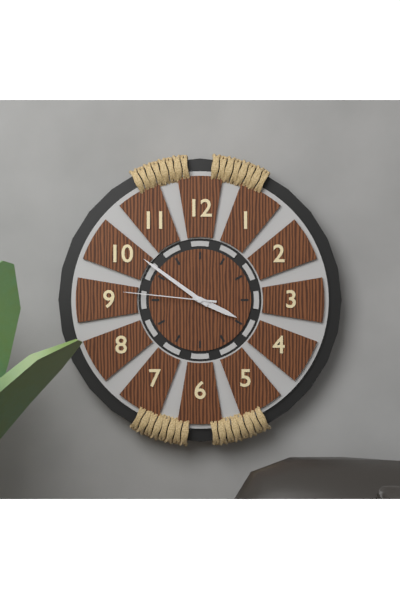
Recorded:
{"hour": 3, "minute": 51, "second": 46}
